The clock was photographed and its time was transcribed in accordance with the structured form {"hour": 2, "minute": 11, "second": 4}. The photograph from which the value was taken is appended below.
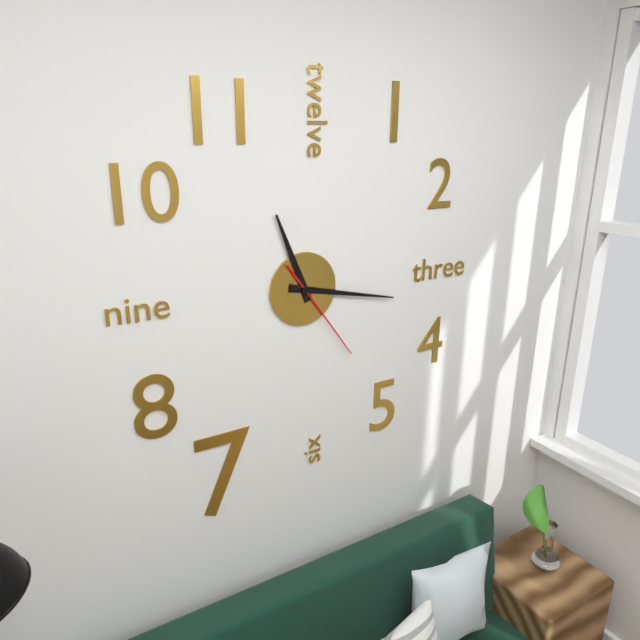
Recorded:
{"hour": 11, "minute": 17, "second": 24}
